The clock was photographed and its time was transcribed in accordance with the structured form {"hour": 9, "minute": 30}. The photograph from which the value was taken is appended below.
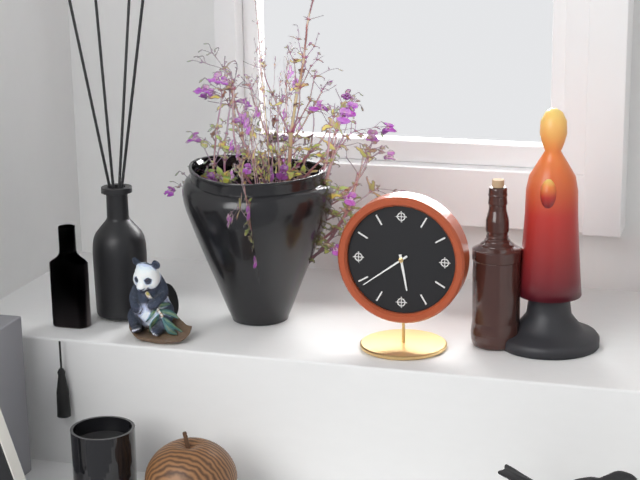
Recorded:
{"hour": 5, "minute": 39}
